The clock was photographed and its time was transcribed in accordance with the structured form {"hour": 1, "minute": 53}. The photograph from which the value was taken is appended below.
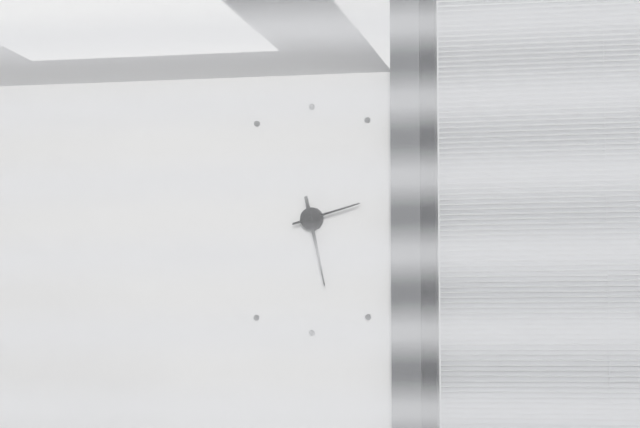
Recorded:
{"hour": 2, "minute": 28}
